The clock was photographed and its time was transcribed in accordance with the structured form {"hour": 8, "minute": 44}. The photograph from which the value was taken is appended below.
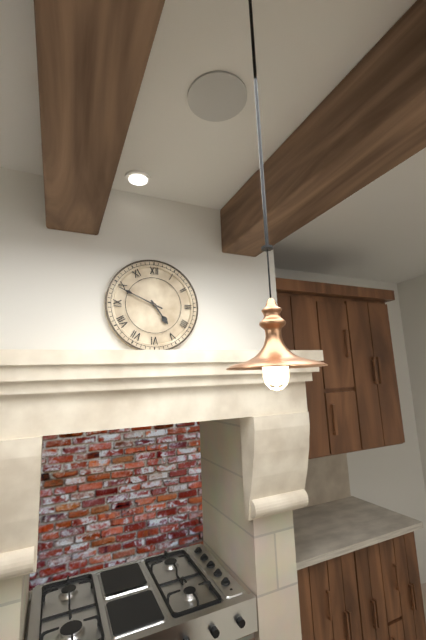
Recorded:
{"hour": 4, "minute": 49}
